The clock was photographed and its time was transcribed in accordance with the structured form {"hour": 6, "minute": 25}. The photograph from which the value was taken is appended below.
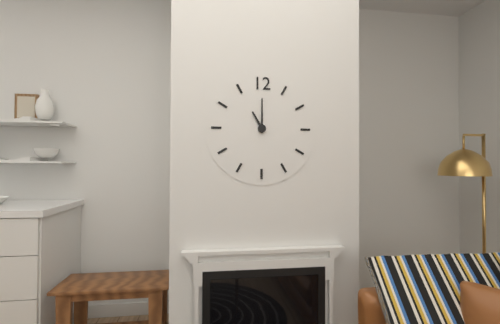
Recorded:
{"hour": 11, "minute": 0}
